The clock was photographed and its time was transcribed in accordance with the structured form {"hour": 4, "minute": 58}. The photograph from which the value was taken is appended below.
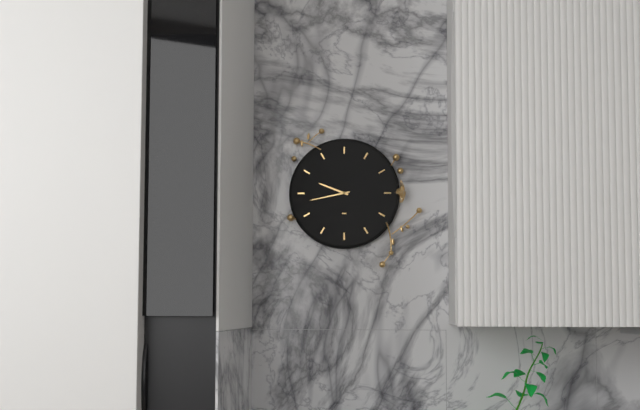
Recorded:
{"hour": 9, "minute": 43}
